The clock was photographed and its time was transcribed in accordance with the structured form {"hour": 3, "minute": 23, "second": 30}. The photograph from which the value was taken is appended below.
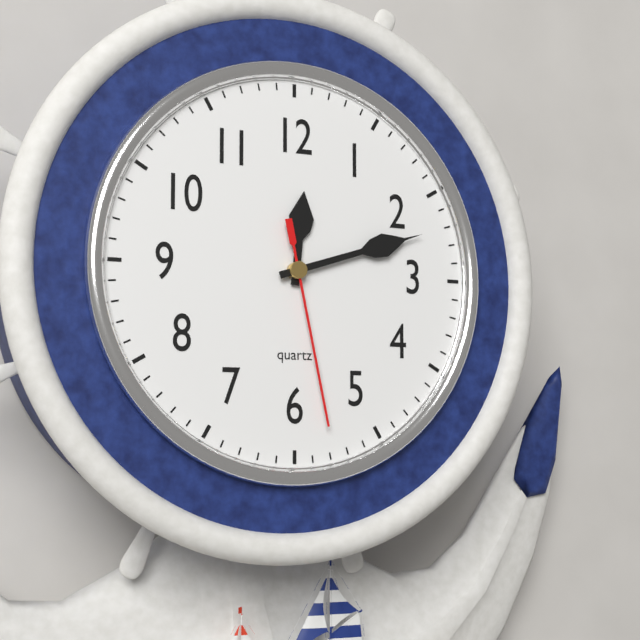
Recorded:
{"hour": 12, "minute": 12, "second": 28}
